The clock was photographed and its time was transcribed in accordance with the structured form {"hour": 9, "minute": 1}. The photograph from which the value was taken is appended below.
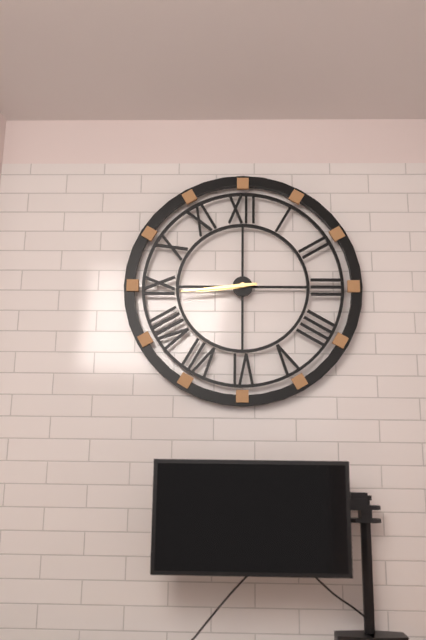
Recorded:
{"hour": 8, "minute": 44}
